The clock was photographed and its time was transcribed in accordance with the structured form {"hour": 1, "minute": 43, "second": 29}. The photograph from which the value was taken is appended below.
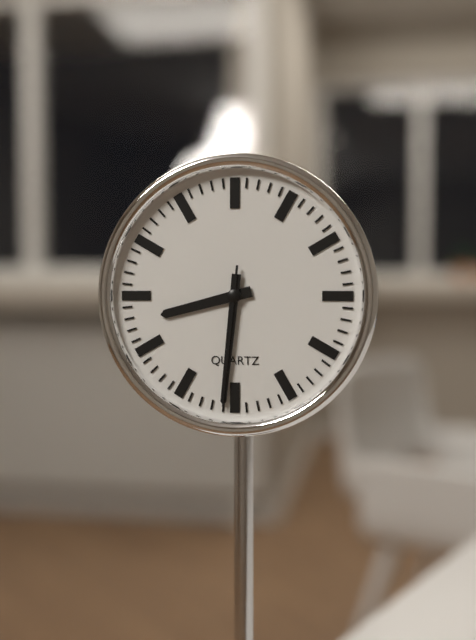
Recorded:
{"hour": 8, "minute": 31, "second": 31}
